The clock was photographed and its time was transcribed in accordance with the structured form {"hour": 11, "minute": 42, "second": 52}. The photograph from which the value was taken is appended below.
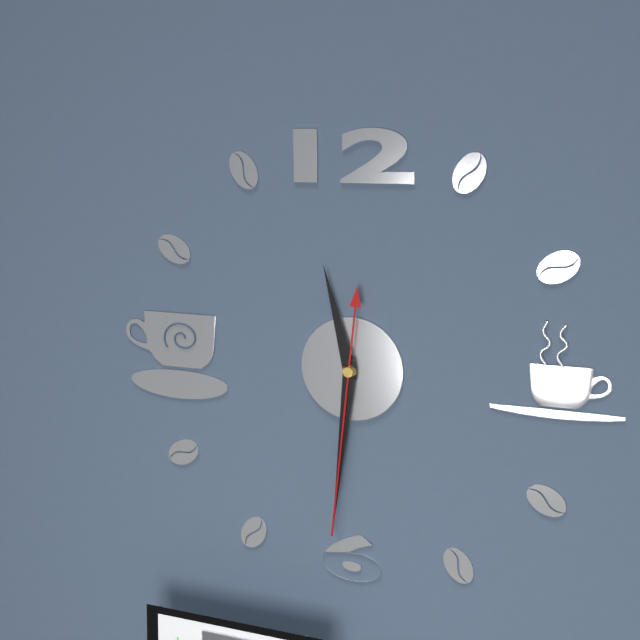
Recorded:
{"hour": 11, "minute": 31, "second": 31}
